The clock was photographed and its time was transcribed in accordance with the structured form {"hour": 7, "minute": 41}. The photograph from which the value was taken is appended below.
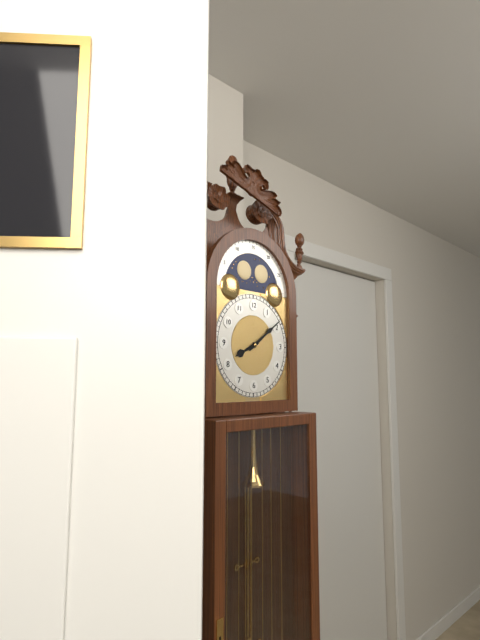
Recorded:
{"hour": 8, "minute": 9}
